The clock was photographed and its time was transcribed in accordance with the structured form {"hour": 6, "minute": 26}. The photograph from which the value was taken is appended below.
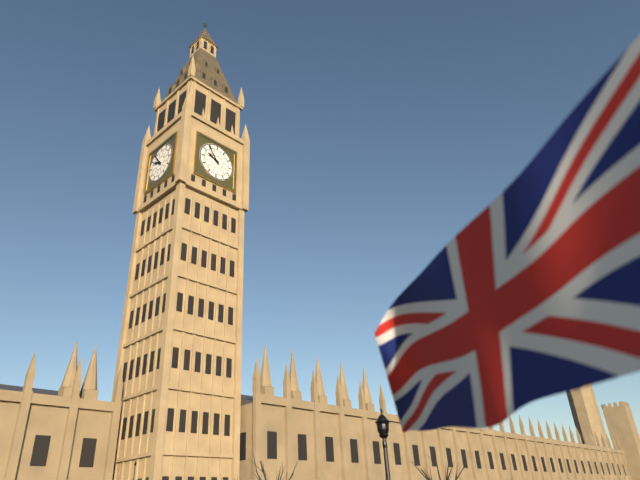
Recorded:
{"hour": 9, "minute": 54}
